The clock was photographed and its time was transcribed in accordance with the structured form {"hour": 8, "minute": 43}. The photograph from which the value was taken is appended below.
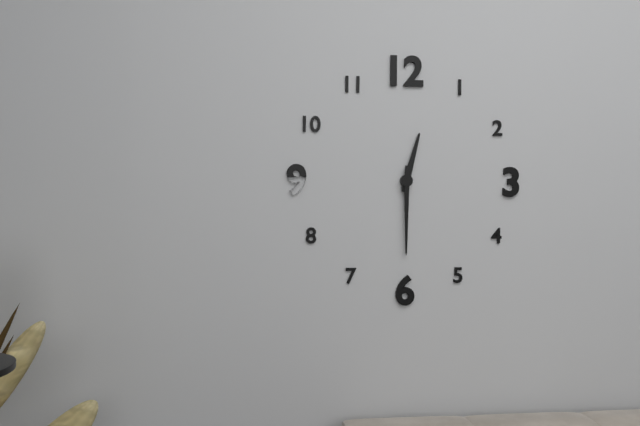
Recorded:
{"hour": 12, "minute": 30}
